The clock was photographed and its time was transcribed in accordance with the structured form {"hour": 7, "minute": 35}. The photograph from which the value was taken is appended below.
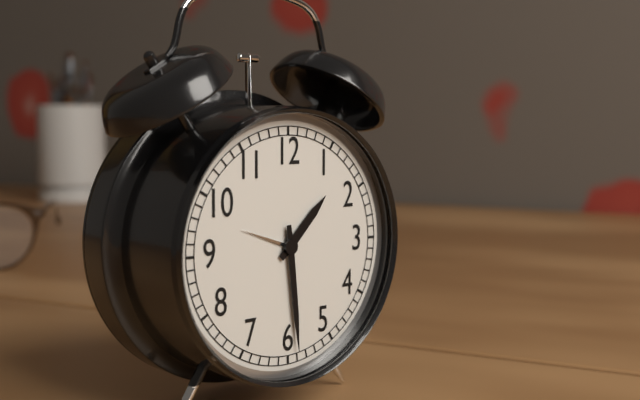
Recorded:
{"hour": 1, "minute": 29}
